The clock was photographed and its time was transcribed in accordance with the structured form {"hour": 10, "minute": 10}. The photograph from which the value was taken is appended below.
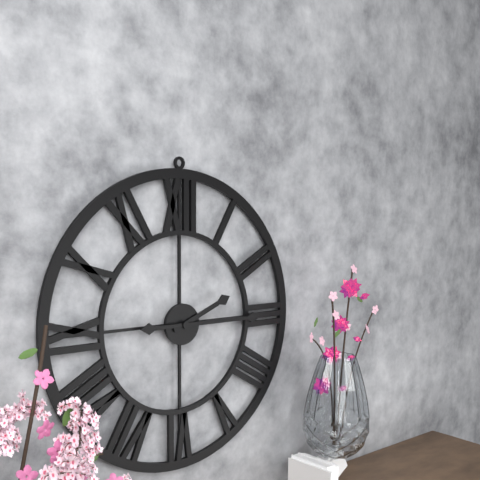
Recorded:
{"hour": 2, "minute": 15}
